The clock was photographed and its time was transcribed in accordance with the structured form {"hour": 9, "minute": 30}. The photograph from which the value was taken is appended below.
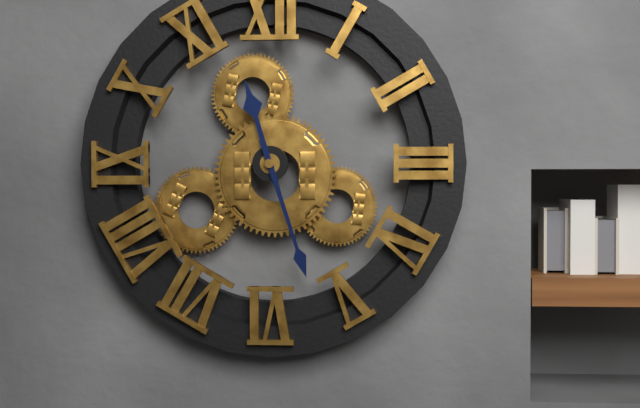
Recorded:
{"hour": 11, "minute": 27}
